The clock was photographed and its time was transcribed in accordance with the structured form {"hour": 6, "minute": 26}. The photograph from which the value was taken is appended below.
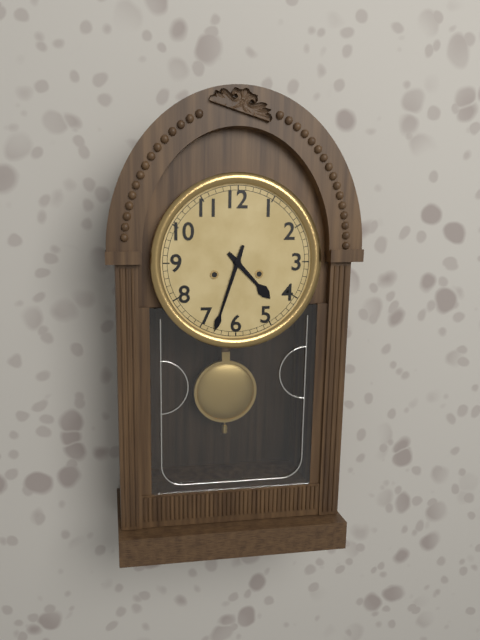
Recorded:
{"hour": 4, "minute": 33}
